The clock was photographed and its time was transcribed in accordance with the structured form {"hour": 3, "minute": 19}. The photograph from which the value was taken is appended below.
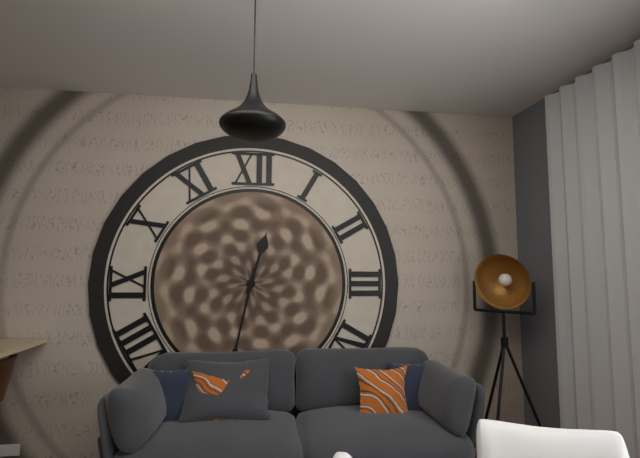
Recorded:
{"hour": 12, "minute": 32}
